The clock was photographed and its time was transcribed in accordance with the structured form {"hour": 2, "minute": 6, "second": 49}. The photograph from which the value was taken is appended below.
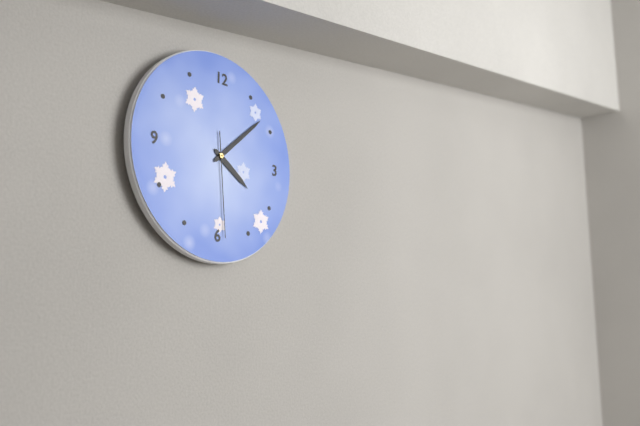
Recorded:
{"hour": 4, "minute": 8, "second": 29}
